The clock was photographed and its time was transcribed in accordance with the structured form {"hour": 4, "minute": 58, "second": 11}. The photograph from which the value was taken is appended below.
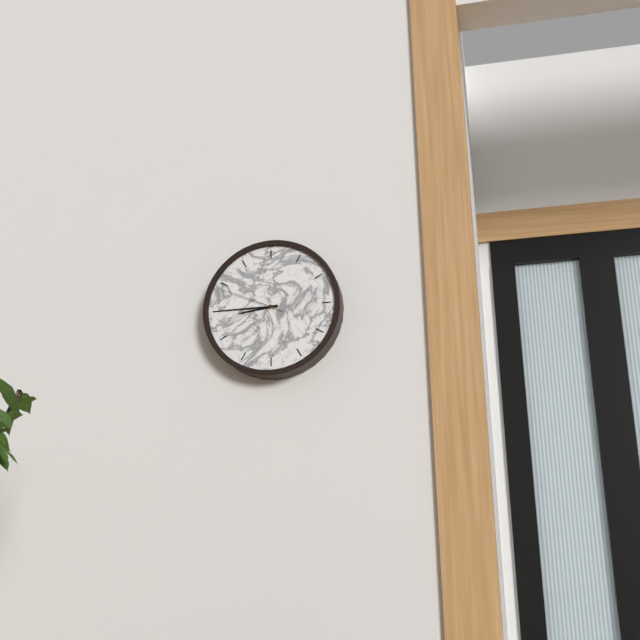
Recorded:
{"hour": 8, "minute": 45, "second": 49}
